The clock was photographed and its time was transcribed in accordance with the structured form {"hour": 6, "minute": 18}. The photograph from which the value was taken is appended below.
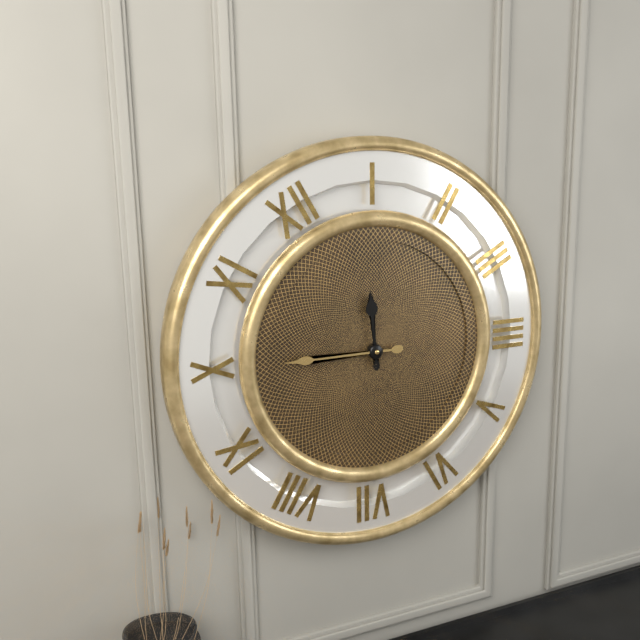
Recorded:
{"hour": 12, "minute": 50}
